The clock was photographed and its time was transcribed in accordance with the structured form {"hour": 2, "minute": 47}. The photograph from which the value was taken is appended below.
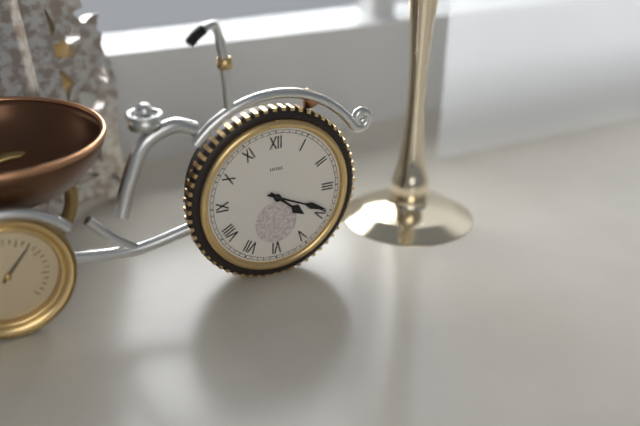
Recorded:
{"hour": 4, "minute": 19}
